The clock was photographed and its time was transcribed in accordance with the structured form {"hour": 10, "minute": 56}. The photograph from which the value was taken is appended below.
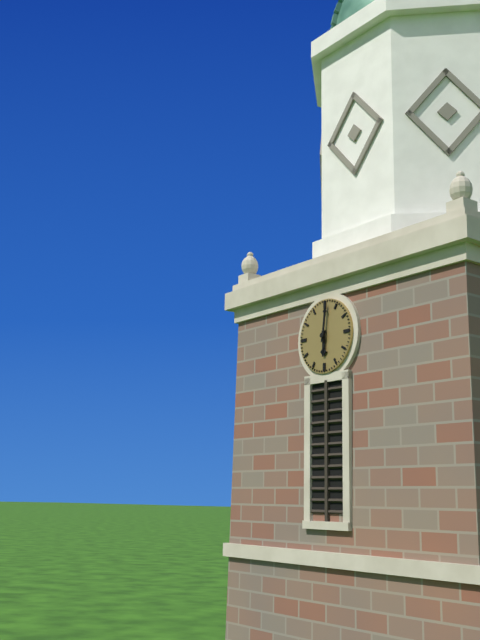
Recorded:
{"hour": 6, "minute": 1}
